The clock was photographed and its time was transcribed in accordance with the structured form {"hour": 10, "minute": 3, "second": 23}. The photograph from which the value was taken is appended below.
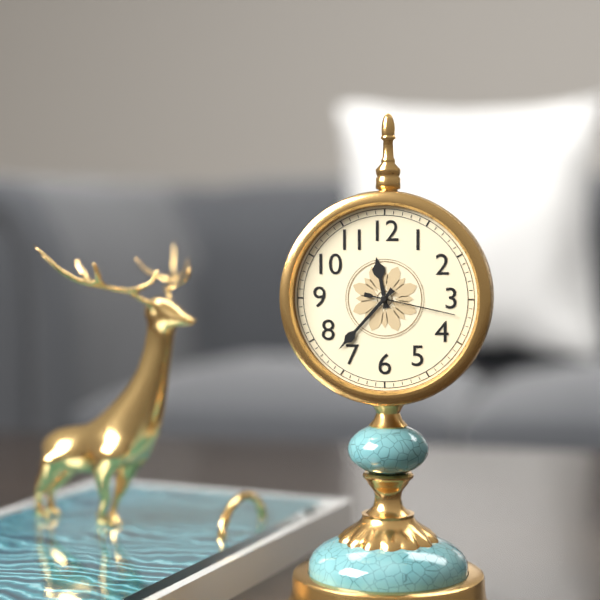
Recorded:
{"hour": 11, "minute": 37, "second": 17}
